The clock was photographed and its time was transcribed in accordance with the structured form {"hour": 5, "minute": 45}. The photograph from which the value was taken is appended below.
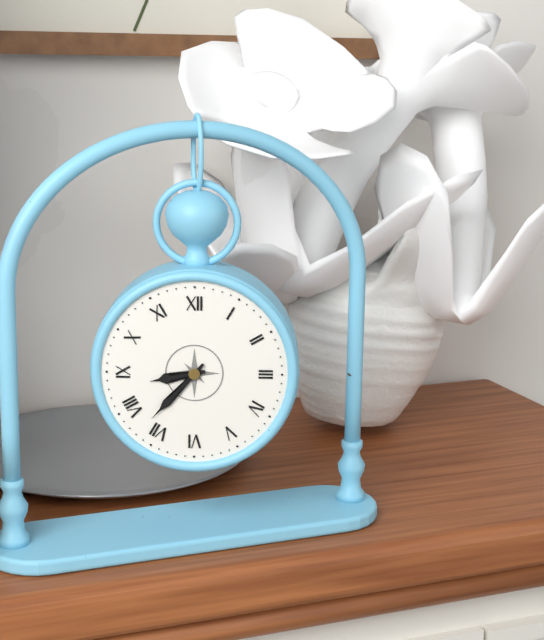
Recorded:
{"hour": 8, "minute": 37}
